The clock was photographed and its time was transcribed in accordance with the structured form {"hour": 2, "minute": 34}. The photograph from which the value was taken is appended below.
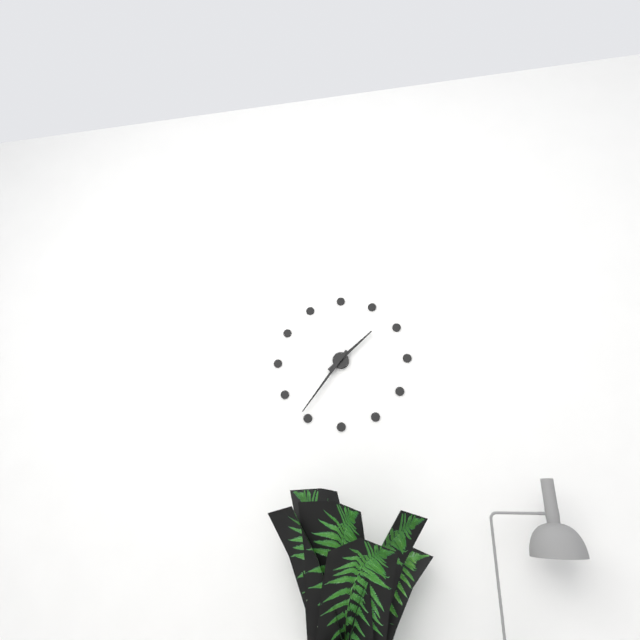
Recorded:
{"hour": 1, "minute": 36}
